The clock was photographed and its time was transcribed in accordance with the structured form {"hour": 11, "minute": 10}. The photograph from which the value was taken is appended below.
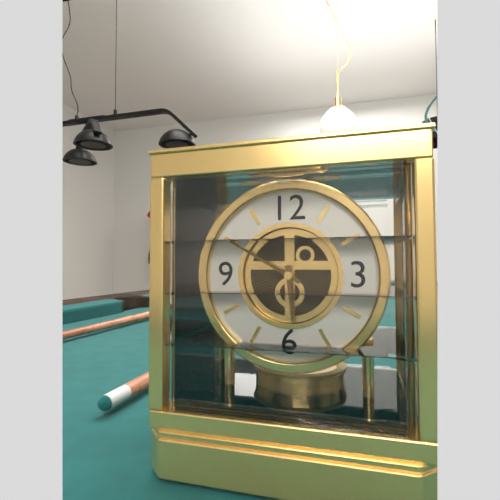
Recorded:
{"hour": 5, "minute": 50}
